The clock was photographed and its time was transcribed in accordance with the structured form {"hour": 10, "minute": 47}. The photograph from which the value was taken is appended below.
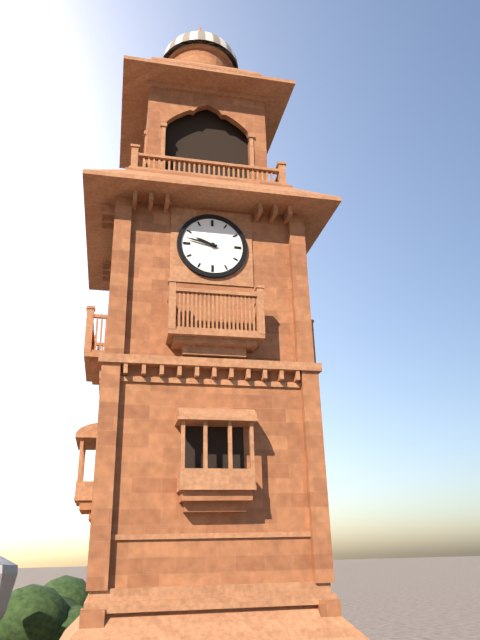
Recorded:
{"hour": 9, "minute": 47}
